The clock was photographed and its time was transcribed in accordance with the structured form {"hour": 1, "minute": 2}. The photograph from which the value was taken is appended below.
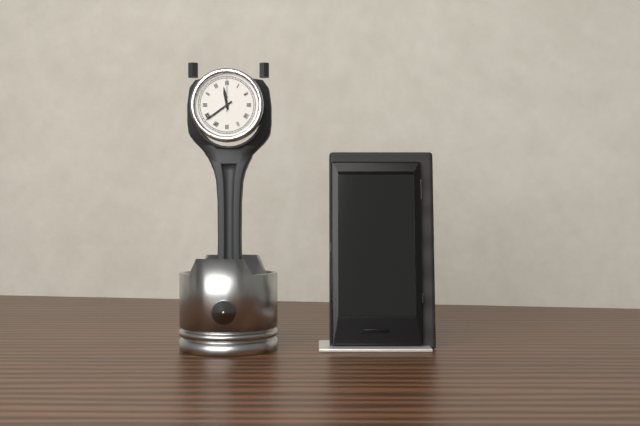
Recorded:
{"hour": 11, "minute": 39}
